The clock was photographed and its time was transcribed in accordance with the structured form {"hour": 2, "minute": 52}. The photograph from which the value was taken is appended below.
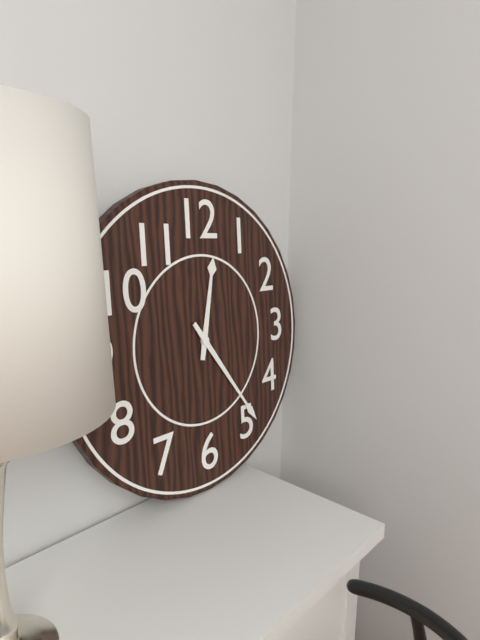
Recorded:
{"hour": 12, "minute": 24}
